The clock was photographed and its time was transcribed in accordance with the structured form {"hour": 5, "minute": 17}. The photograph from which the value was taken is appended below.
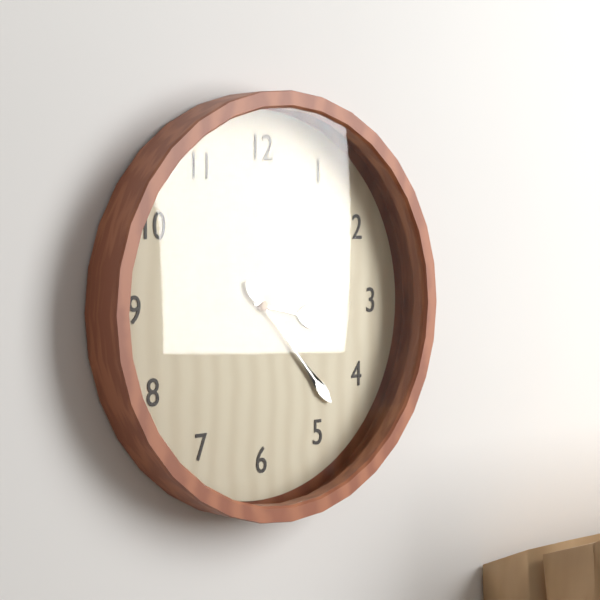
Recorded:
{"hour": 3, "minute": 23}
